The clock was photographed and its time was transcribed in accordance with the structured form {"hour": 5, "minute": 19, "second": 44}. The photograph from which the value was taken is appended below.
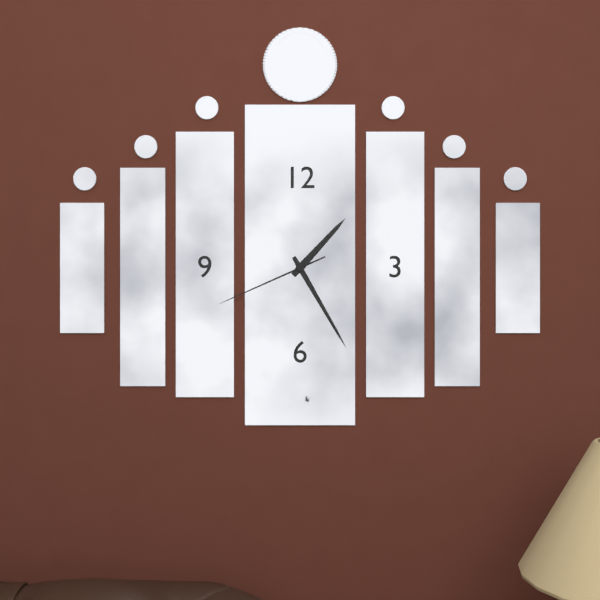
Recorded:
{"hour": 1, "minute": 25, "second": 41}
